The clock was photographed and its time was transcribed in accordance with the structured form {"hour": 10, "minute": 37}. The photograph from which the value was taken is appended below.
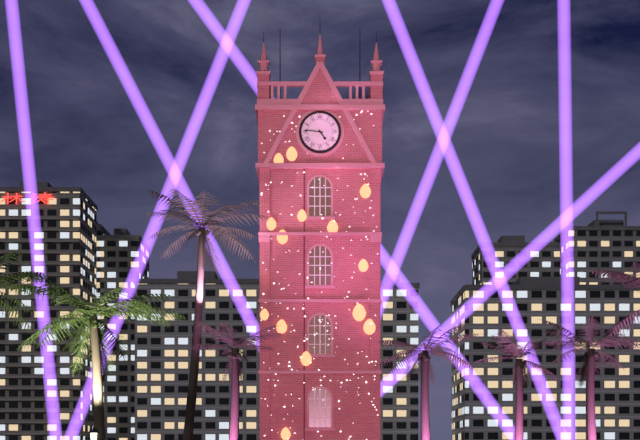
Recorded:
{"hour": 4, "minute": 46}
